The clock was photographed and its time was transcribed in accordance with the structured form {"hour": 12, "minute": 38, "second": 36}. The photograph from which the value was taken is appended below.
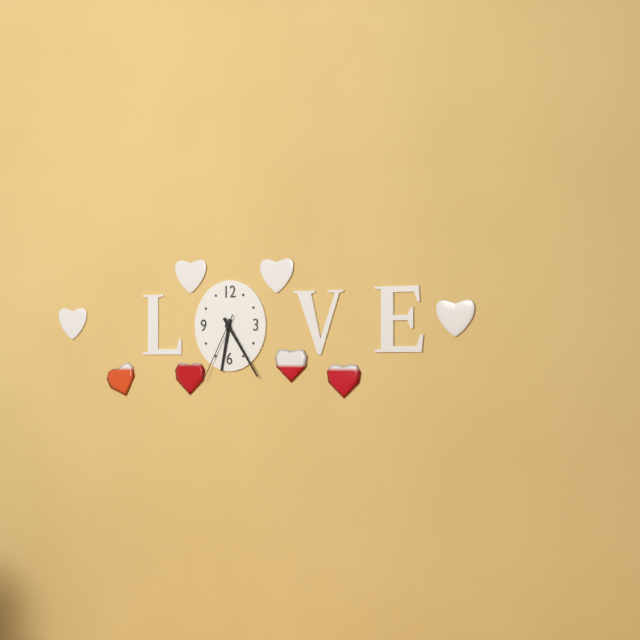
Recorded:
{"hour": 6, "minute": 24, "second": 35}
